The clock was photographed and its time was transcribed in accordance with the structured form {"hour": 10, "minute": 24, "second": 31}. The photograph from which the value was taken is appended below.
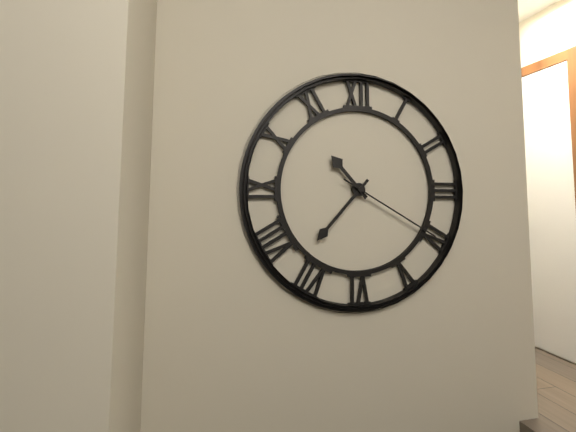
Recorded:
{"hour": 10, "minute": 37, "second": 20}
